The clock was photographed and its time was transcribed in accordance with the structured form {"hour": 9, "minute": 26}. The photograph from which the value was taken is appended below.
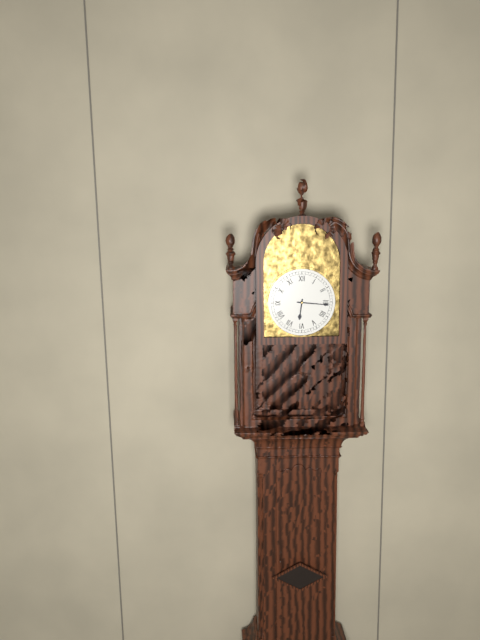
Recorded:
{"hour": 6, "minute": 16}
